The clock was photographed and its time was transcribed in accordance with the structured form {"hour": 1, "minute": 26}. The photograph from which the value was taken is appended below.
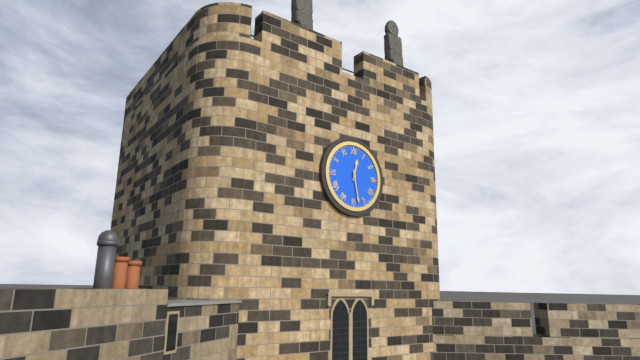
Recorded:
{"hour": 12, "minute": 28}
